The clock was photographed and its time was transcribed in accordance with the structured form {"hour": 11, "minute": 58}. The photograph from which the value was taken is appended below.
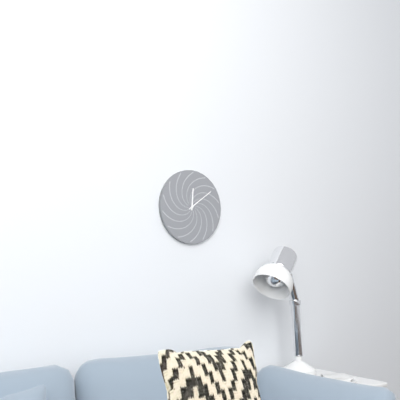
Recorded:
{"hour": 12, "minute": 9}
